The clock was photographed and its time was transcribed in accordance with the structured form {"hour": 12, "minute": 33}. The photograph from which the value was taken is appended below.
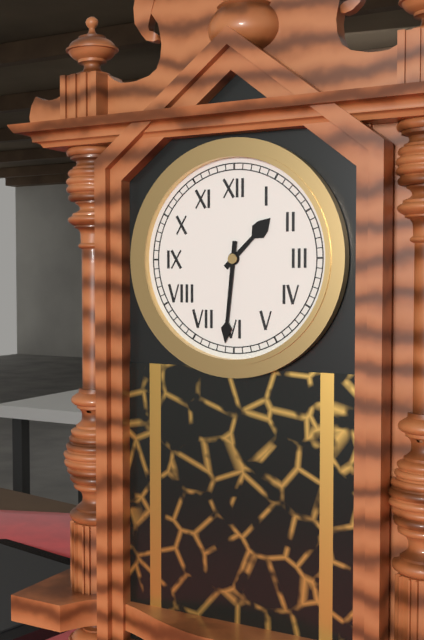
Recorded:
{"hour": 1, "minute": 31}
